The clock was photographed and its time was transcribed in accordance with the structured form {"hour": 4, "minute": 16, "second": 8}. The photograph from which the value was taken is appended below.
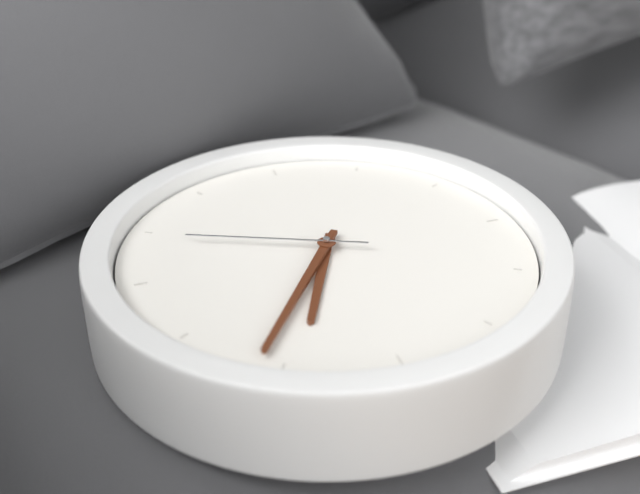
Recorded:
{"hour": 9, "minute": 51, "second": 4}
